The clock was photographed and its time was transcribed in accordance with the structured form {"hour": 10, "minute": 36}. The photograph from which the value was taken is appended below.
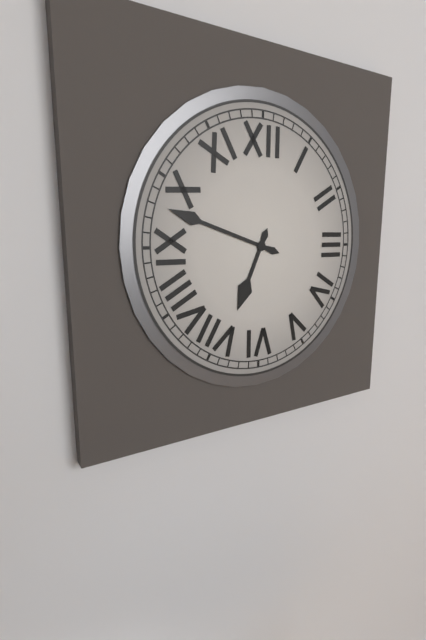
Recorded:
{"hour": 6, "minute": 48}
